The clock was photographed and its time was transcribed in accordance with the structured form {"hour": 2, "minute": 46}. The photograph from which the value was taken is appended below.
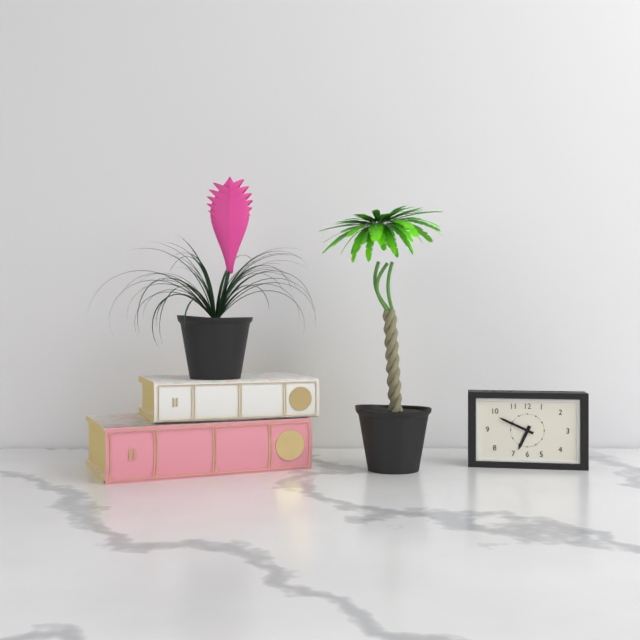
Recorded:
{"hour": 6, "minute": 49}
